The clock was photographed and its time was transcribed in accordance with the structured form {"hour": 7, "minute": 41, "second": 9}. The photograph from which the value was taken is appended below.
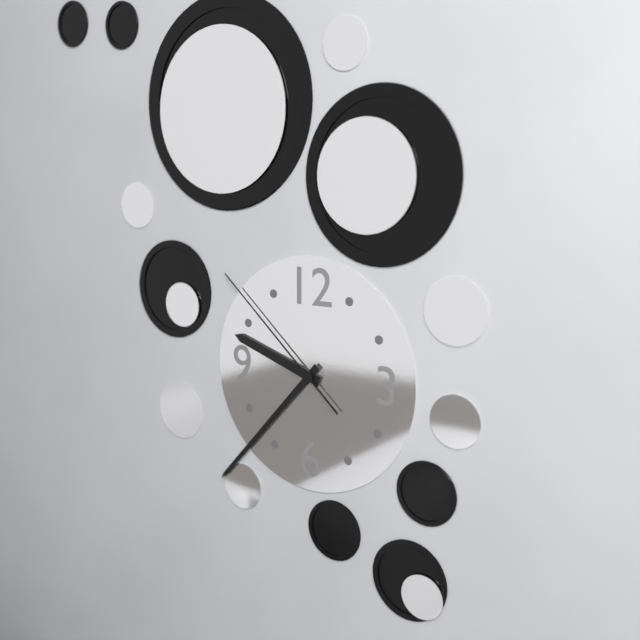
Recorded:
{"hour": 9, "minute": 37, "second": 52}
